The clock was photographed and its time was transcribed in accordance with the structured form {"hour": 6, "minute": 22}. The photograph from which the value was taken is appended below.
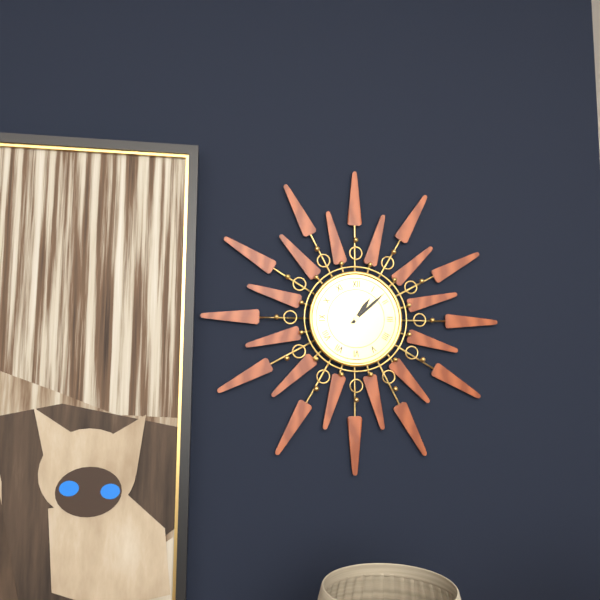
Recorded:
{"hour": 1, "minute": 8}
